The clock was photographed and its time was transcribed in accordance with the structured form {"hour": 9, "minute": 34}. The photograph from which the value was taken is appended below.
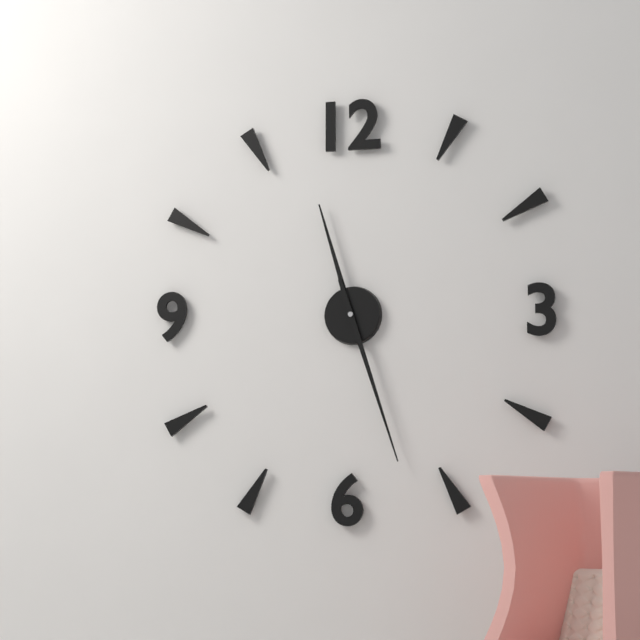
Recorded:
{"hour": 11, "minute": 27}
